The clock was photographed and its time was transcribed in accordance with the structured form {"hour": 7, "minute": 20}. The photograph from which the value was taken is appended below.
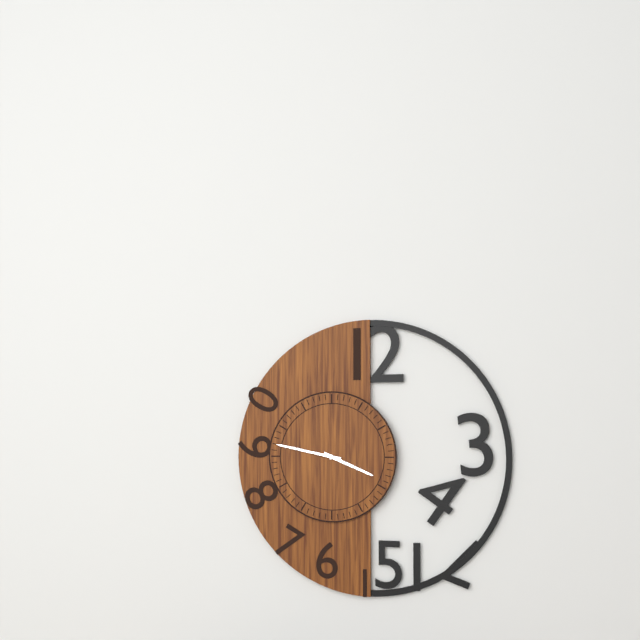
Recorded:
{"hour": 3, "minute": 47}
